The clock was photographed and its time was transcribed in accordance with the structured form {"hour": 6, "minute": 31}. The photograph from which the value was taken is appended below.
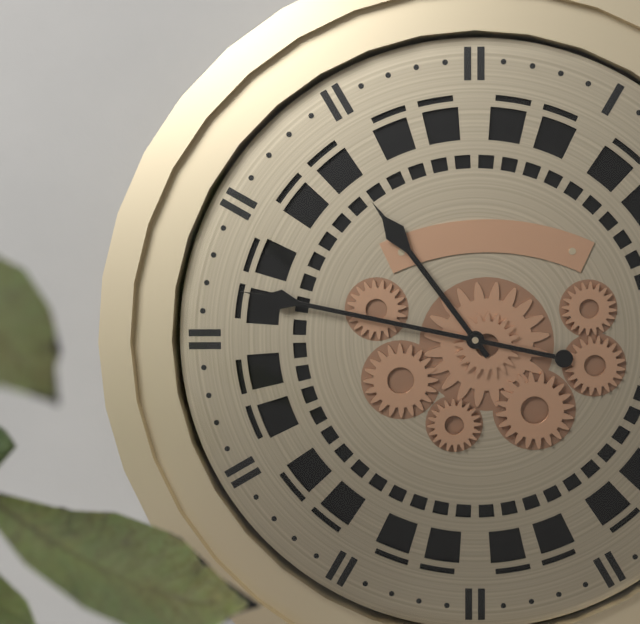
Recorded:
{"hour": 10, "minute": 47}
